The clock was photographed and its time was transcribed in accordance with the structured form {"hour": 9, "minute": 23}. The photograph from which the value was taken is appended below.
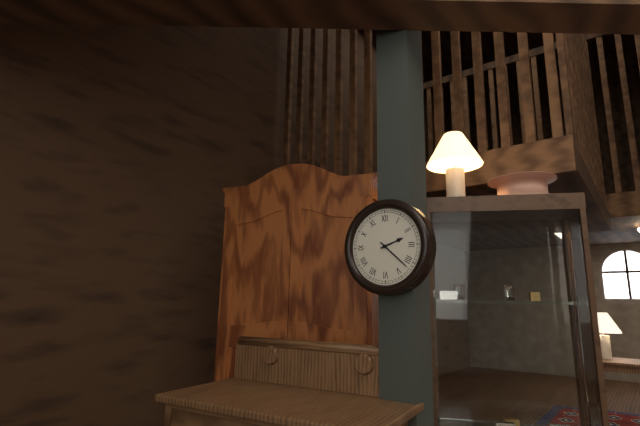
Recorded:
{"hour": 2, "minute": 22}
